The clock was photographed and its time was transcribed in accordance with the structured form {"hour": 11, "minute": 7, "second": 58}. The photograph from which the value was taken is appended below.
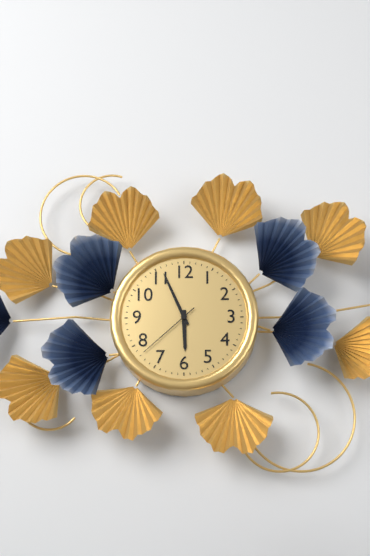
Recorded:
{"hour": 5, "minute": 56, "second": 38}
